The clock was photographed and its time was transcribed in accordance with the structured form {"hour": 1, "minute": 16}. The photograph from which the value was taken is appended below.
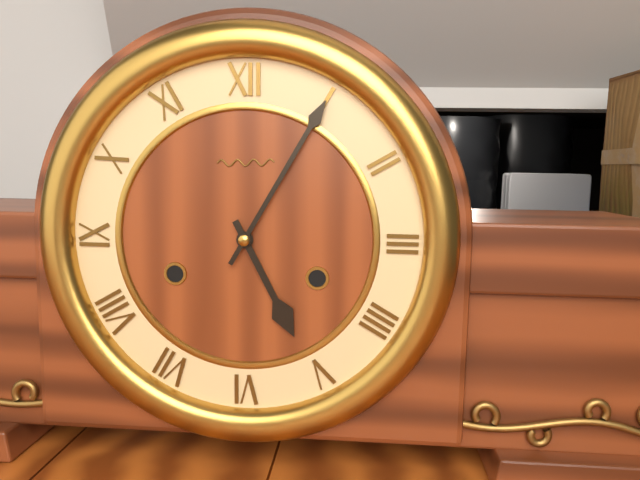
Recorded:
{"hour": 5, "minute": 5}
